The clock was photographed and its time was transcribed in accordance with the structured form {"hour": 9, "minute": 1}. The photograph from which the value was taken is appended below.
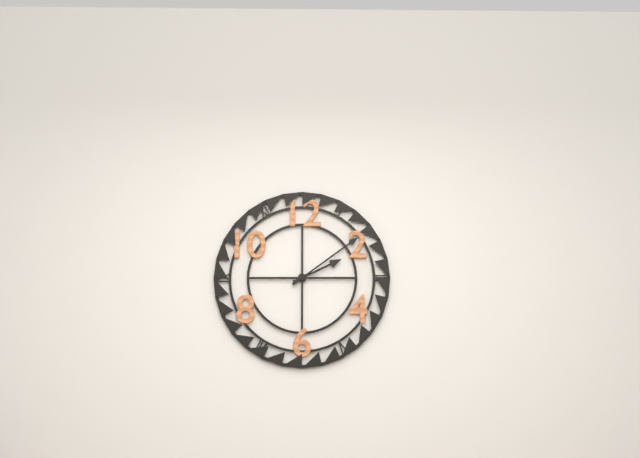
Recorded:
{"hour": 2, "minute": 9}
